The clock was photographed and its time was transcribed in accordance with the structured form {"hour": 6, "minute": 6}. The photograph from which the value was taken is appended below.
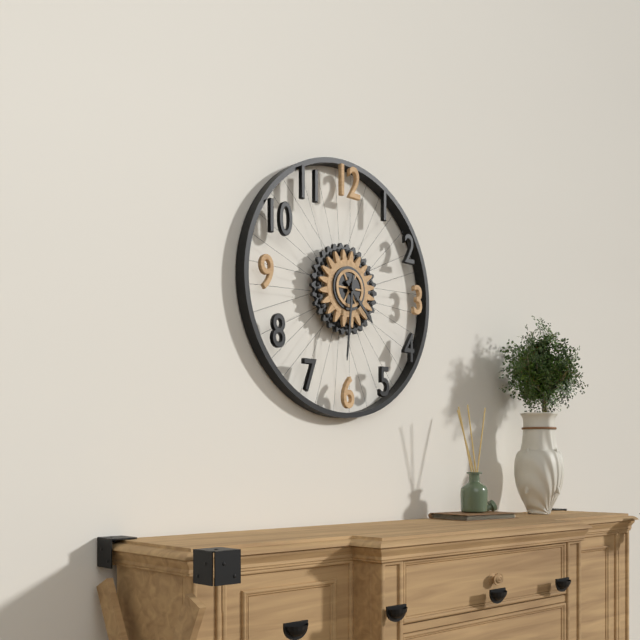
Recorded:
{"hour": 4, "minute": 31}
